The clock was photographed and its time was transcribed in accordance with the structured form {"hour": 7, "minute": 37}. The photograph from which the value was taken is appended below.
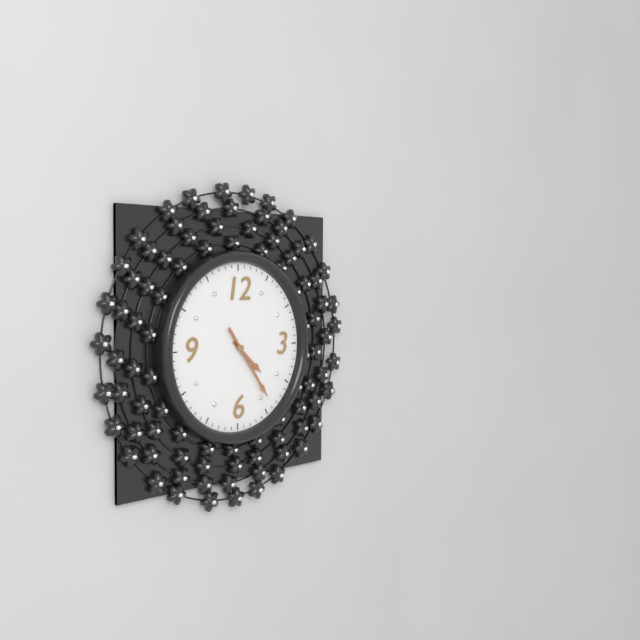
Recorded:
{"hour": 4, "minute": 24}
